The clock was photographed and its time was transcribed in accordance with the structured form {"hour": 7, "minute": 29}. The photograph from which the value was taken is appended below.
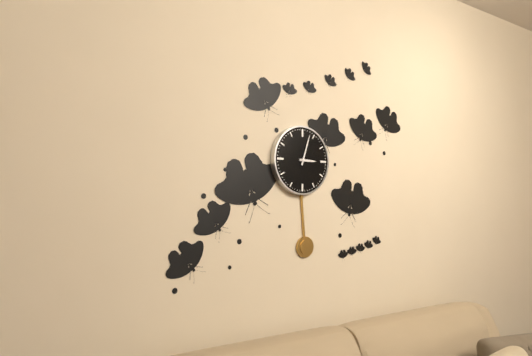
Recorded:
{"hour": 3, "minute": 3}
